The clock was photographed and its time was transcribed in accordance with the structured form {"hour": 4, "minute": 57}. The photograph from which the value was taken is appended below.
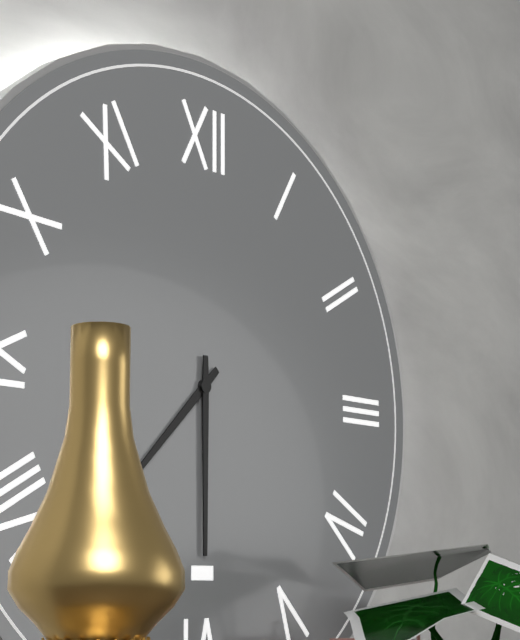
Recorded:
{"hour": 7, "minute": 30}
